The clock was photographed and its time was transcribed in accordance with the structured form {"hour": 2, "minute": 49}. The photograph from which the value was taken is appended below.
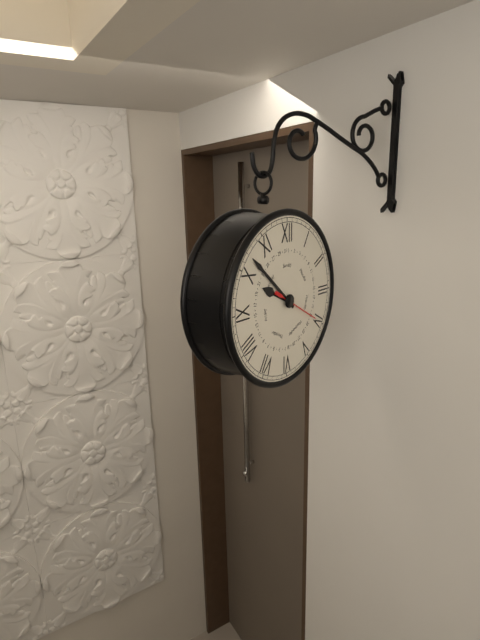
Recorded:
{"hour": 9, "minute": 52}
